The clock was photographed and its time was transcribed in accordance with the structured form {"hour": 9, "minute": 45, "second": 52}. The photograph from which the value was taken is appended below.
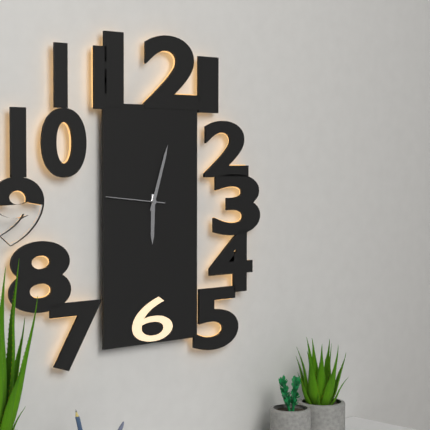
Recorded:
{"hour": 6, "minute": 3, "second": 46}
